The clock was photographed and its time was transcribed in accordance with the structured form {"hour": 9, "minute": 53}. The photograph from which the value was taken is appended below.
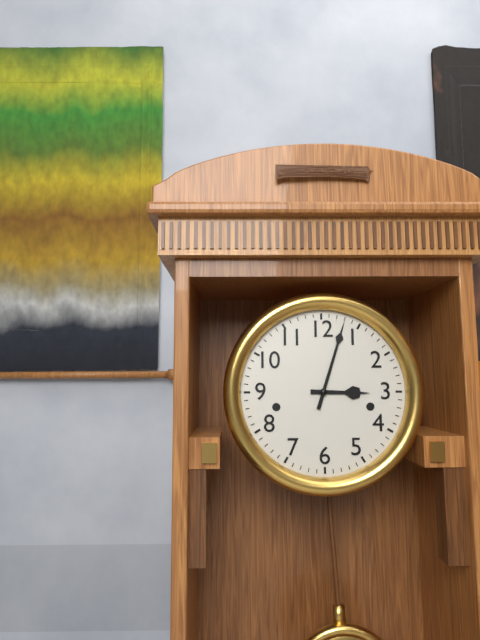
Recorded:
{"hour": 3, "minute": 3}
